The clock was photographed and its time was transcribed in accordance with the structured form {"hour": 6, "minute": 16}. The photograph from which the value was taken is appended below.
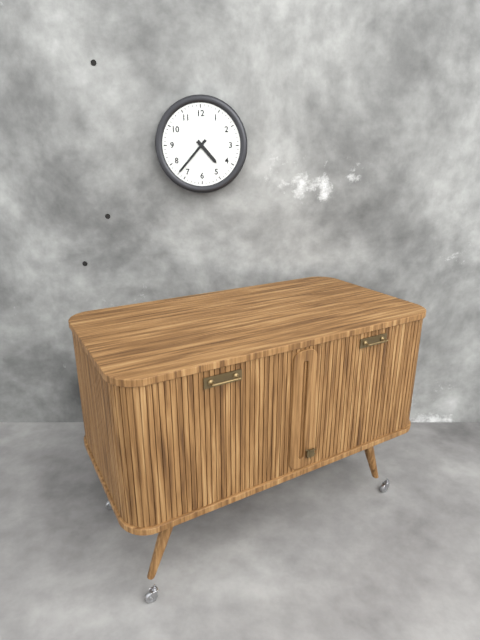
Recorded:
{"hour": 4, "minute": 37}
